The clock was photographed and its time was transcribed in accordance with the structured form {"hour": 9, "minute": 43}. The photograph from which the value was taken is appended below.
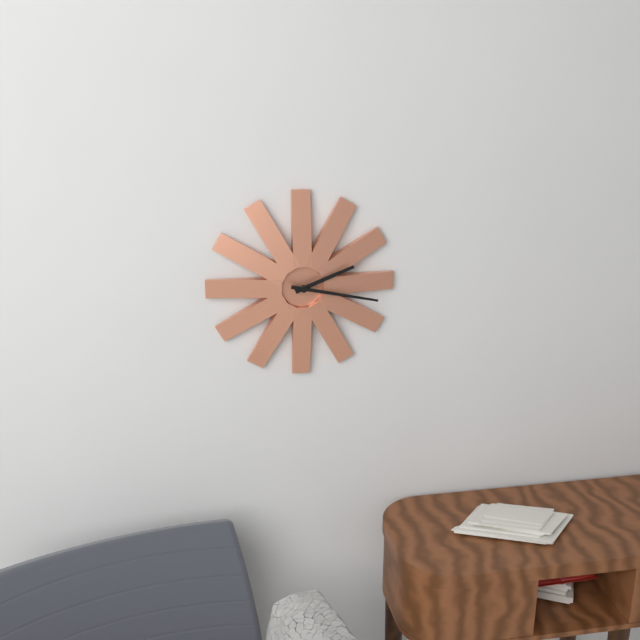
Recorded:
{"hour": 2, "minute": 17}
